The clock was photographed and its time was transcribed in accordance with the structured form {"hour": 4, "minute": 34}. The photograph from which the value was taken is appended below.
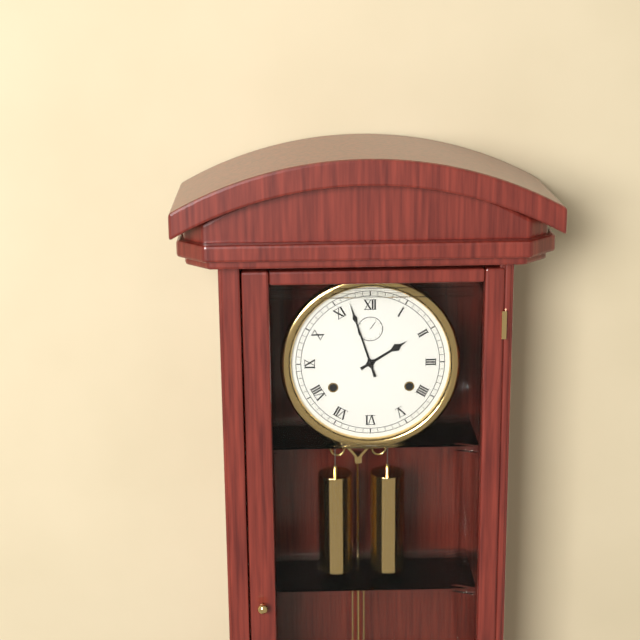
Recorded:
{"hour": 1, "minute": 57}
